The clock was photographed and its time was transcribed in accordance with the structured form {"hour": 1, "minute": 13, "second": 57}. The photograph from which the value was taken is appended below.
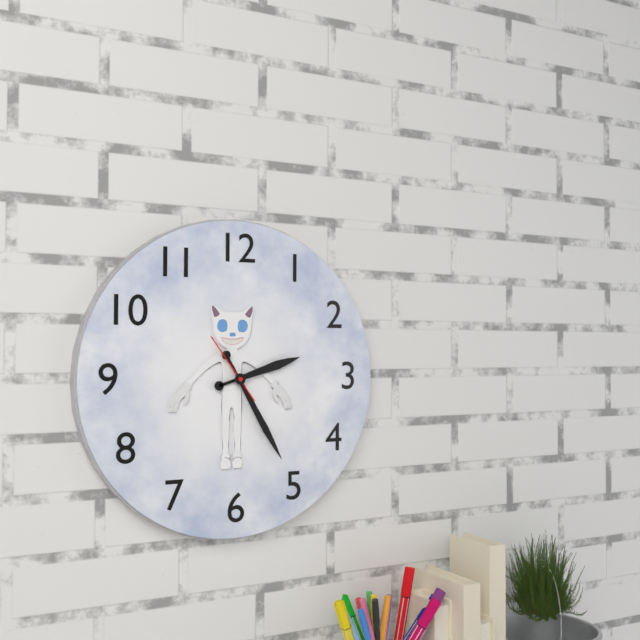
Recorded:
{"hour": 2, "minute": 25, "second": 54}
